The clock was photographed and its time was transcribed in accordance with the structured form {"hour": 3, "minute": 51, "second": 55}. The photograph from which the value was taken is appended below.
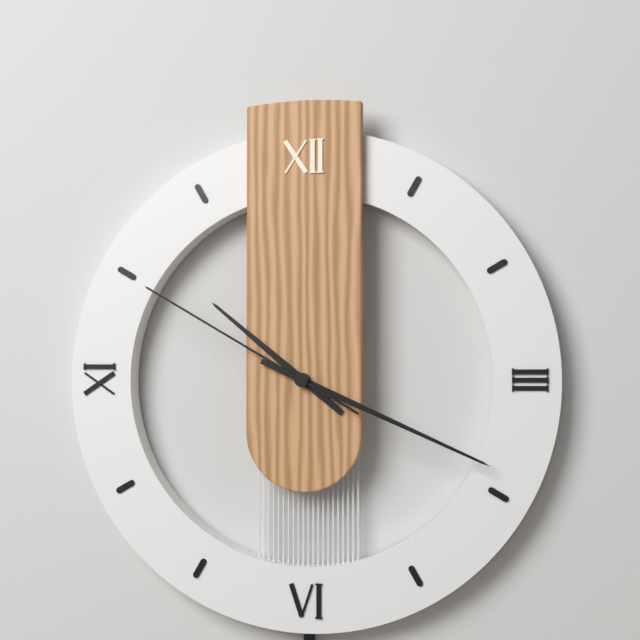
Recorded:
{"hour": 10, "minute": 19, "second": 50}
